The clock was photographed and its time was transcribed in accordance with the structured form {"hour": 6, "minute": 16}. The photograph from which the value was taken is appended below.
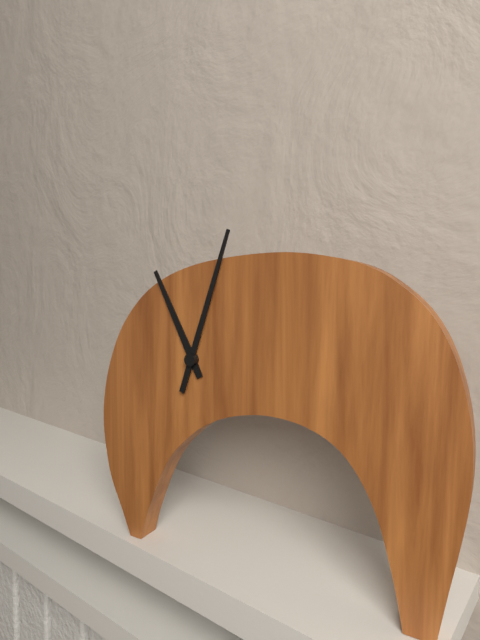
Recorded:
{"hour": 11, "minute": 3}
